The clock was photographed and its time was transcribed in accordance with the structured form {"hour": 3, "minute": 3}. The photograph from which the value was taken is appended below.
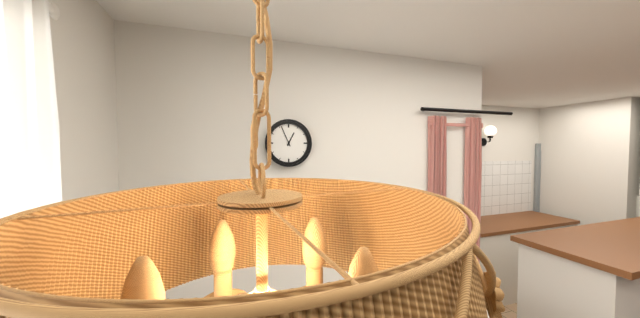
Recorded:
{"hour": 12, "minute": 56}
